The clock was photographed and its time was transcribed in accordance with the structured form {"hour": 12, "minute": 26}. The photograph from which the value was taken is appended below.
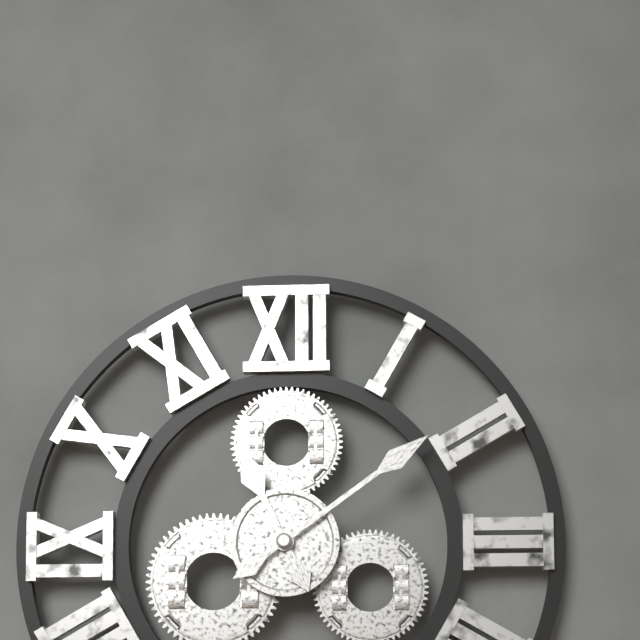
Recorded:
{"hour": 11, "minute": 9}
